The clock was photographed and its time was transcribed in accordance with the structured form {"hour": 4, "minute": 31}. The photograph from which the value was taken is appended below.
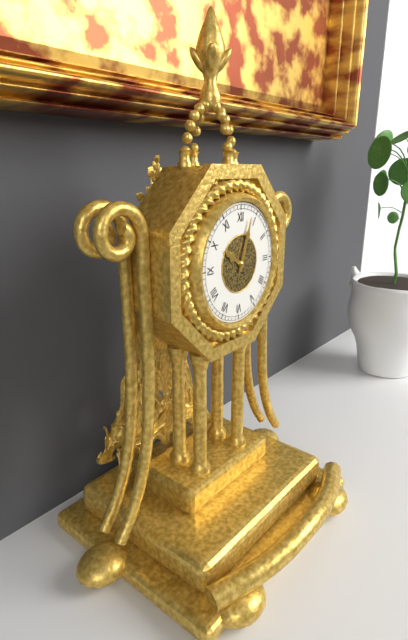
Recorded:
{"hour": 10, "minute": 3}
